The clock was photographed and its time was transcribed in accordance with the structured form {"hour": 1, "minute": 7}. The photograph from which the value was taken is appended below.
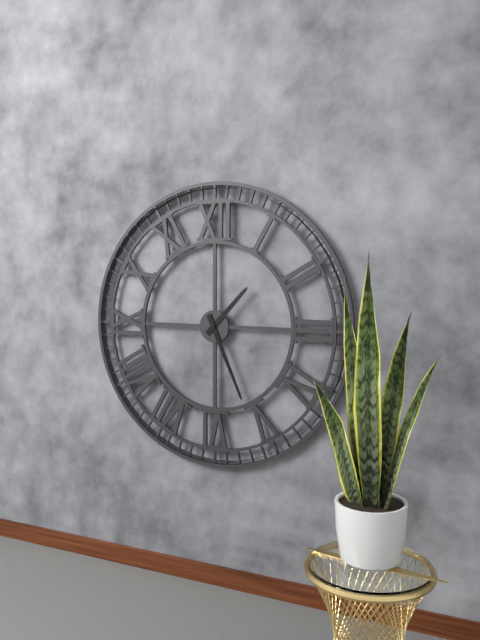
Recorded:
{"hour": 1, "minute": 26}
